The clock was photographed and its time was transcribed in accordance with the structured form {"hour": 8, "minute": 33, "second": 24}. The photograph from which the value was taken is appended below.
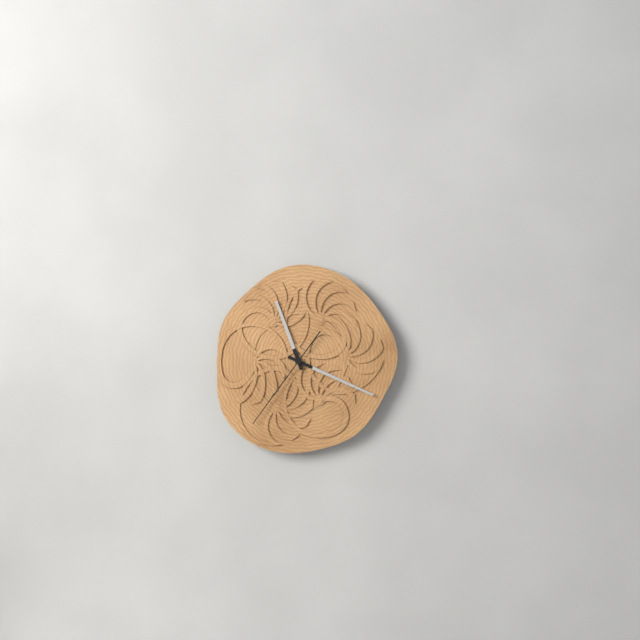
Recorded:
{"hour": 11, "minute": 19, "second": 36}
